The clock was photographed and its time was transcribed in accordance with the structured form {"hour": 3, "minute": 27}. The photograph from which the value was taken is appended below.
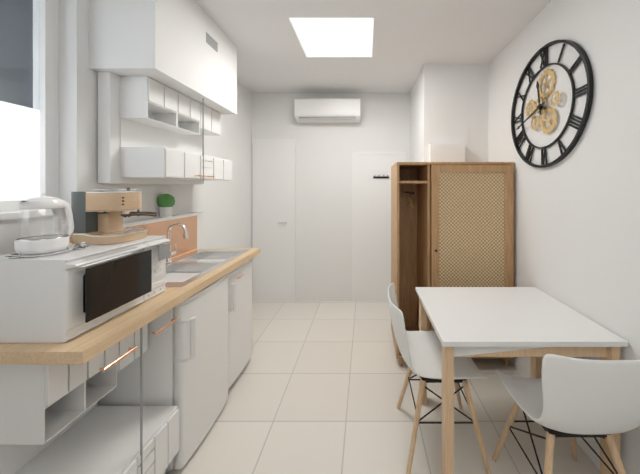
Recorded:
{"hour": 11, "minute": 42}
